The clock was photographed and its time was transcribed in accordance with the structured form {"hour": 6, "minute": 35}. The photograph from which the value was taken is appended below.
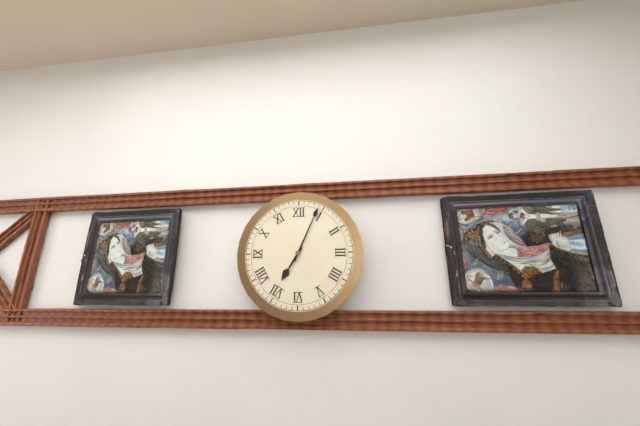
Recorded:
{"hour": 7, "minute": 4}
